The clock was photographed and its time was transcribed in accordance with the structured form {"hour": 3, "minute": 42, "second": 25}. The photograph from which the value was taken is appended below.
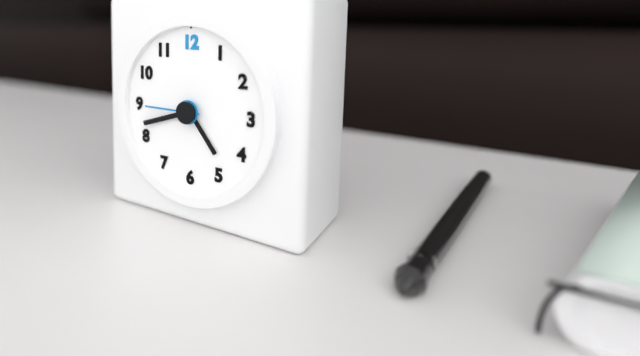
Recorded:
{"hour": 4, "minute": 42, "second": 45}
